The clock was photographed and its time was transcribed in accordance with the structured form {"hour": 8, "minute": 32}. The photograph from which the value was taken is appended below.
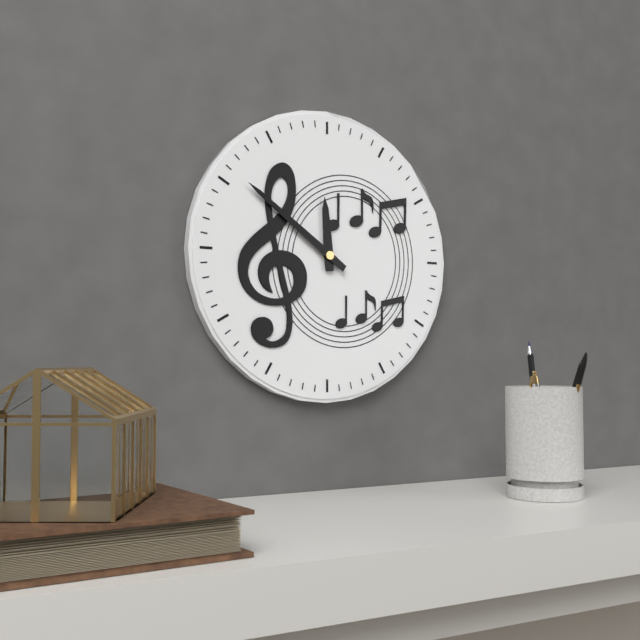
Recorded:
{"hour": 11, "minute": 51}
